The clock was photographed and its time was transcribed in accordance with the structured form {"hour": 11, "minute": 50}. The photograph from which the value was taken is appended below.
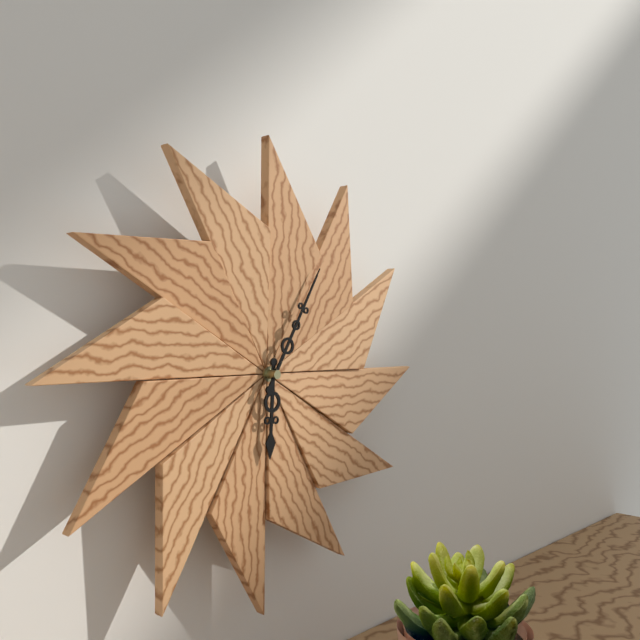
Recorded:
{"hour": 6, "minute": 5}
